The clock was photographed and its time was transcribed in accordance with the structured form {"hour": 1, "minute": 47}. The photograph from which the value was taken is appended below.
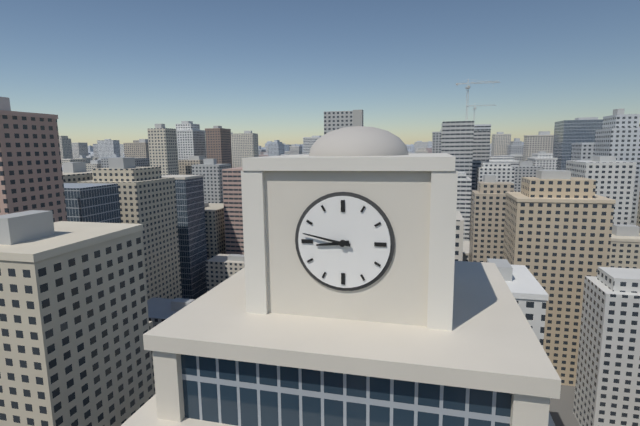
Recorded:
{"hour": 8, "minute": 47}
